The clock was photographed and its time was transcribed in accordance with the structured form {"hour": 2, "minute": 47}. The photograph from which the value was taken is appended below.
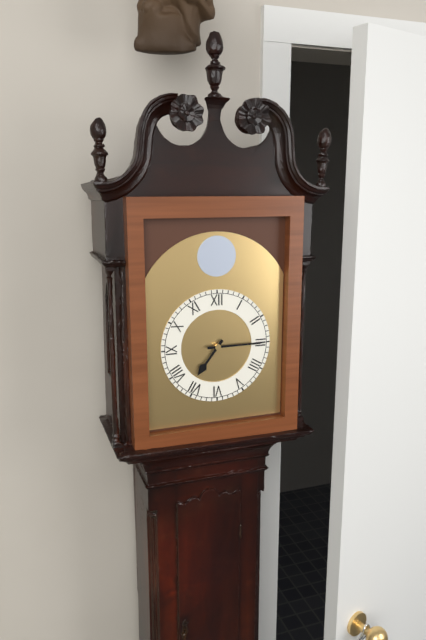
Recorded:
{"hour": 7, "minute": 15}
